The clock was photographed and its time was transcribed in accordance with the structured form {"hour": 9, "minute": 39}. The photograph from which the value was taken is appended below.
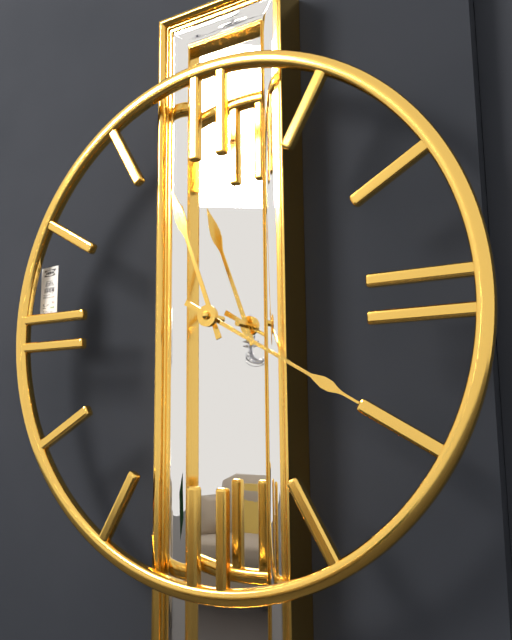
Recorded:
{"hour": 11, "minute": 20}
